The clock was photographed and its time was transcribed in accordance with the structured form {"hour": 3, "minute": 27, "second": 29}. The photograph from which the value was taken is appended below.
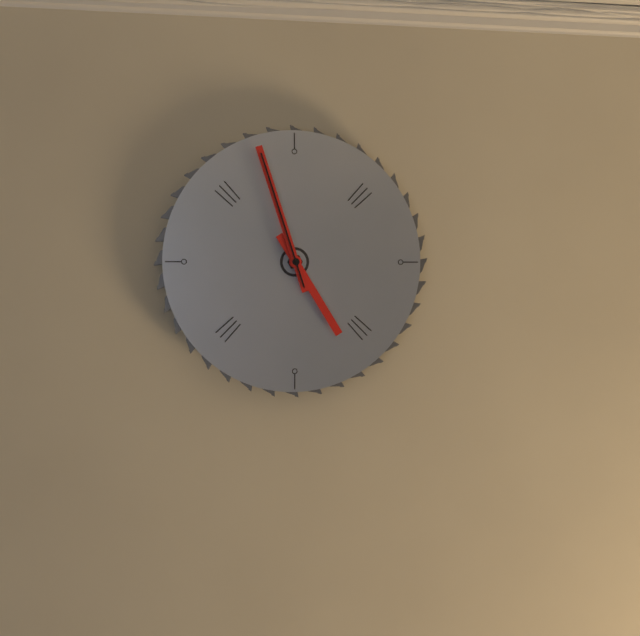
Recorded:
{"hour": 4, "minute": 57, "second": 57}
